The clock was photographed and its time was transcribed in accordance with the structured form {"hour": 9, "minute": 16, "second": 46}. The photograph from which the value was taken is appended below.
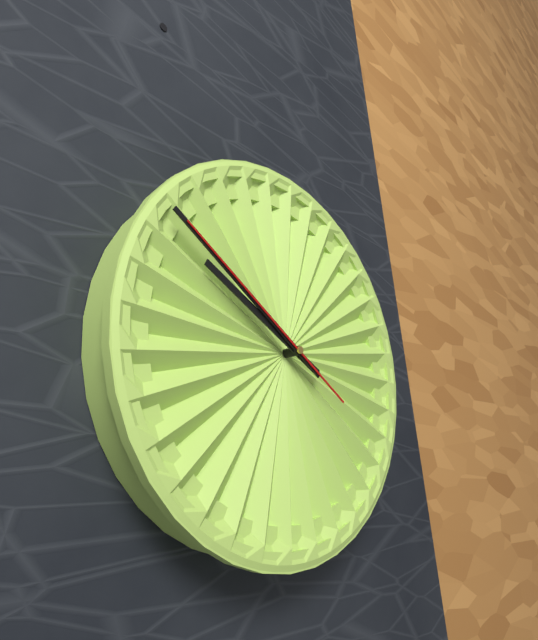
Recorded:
{"hour": 9, "minute": 50, "second": 50}
